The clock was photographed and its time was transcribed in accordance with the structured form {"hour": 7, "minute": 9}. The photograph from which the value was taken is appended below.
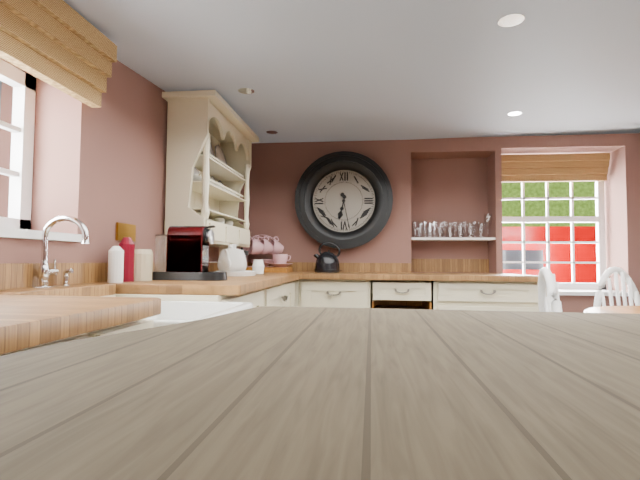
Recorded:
{"hour": 6, "minute": 28}
